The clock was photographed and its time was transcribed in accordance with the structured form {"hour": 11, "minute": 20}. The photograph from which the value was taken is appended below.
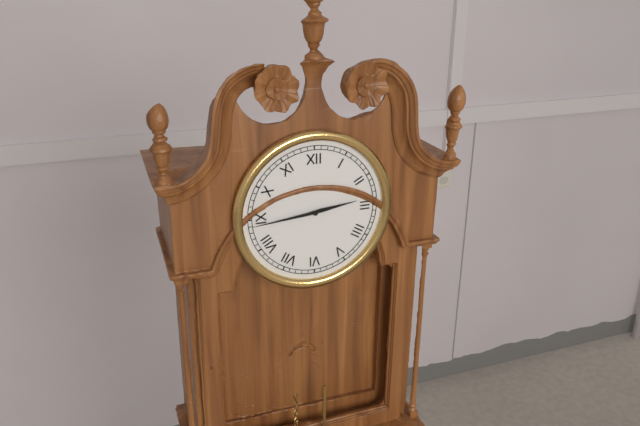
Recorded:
{"hour": 2, "minute": 44}
